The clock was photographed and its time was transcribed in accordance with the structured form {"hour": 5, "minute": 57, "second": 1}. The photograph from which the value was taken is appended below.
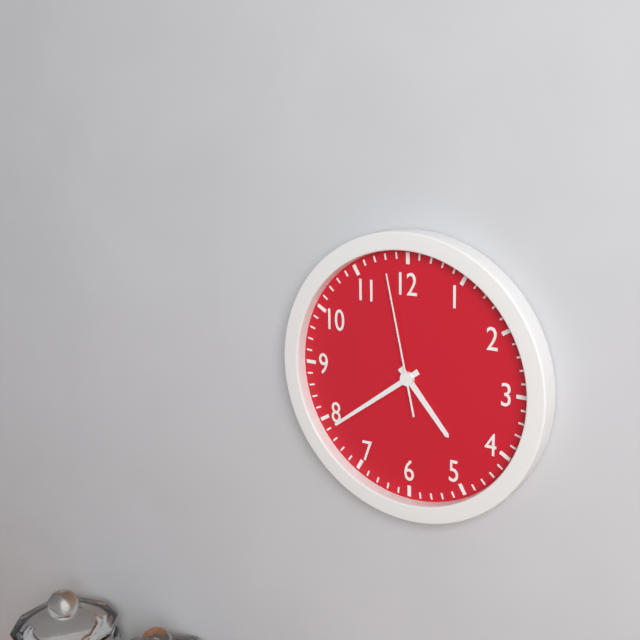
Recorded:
{"hour": 4, "minute": 39, "second": 58}
